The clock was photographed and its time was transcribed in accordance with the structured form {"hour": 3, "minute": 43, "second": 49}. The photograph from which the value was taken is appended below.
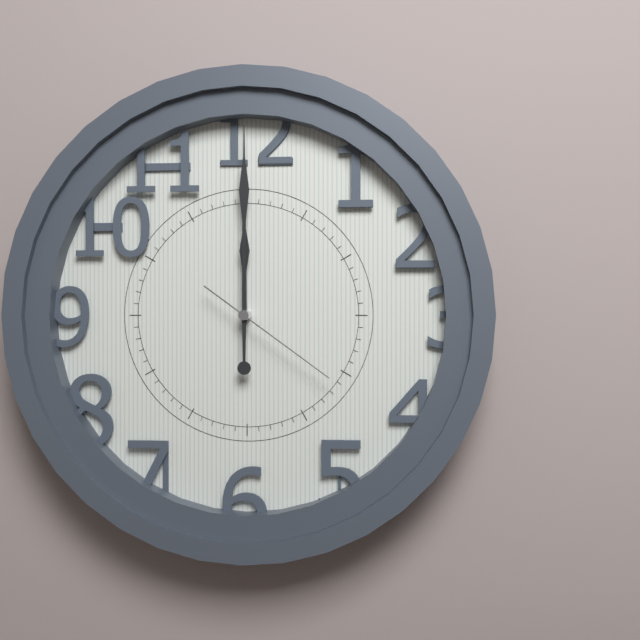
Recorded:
{"hour": 12, "minute": 0, "second": 21}
